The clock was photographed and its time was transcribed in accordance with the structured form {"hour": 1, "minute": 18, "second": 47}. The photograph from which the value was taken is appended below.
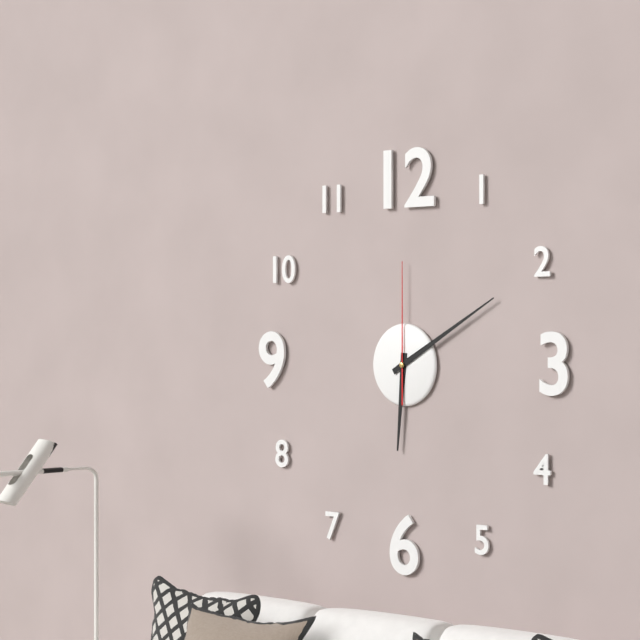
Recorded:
{"hour": 6, "minute": 10, "second": 0}
